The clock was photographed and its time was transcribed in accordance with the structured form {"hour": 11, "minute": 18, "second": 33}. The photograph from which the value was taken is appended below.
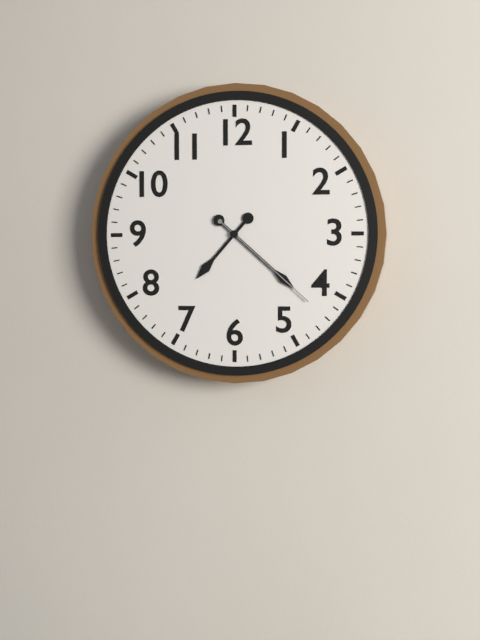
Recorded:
{"hour": 7, "minute": 22, "second": 22}
